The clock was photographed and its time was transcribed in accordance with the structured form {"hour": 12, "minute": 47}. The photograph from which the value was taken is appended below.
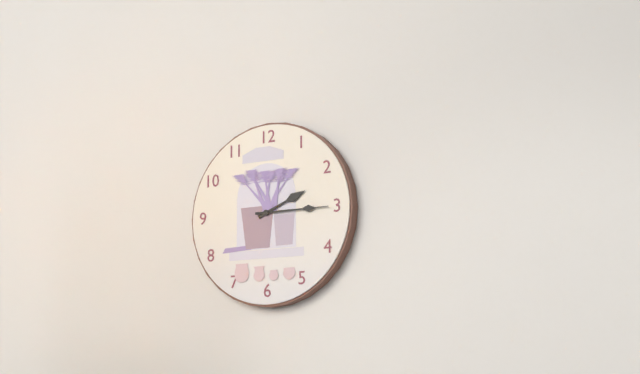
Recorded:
{"hour": 2, "minute": 15}
